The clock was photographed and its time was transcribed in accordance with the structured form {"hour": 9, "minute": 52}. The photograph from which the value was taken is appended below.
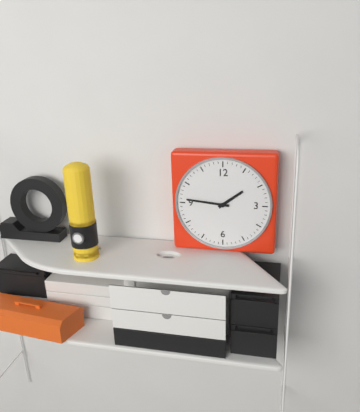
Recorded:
{"hour": 1, "minute": 46}
